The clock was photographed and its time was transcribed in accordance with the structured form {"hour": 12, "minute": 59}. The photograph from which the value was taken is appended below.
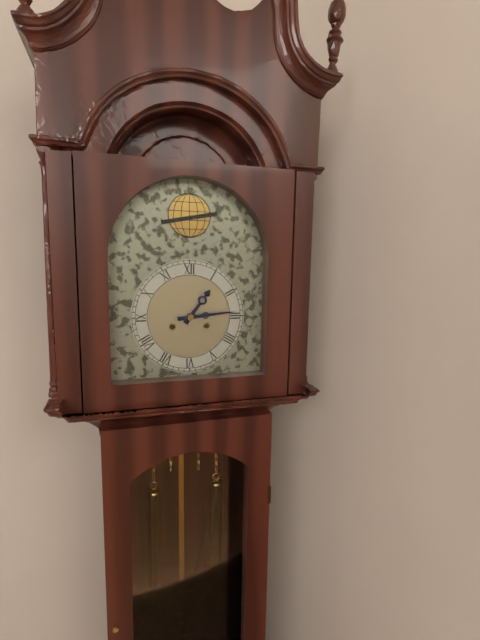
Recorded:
{"hour": 1, "minute": 14}
